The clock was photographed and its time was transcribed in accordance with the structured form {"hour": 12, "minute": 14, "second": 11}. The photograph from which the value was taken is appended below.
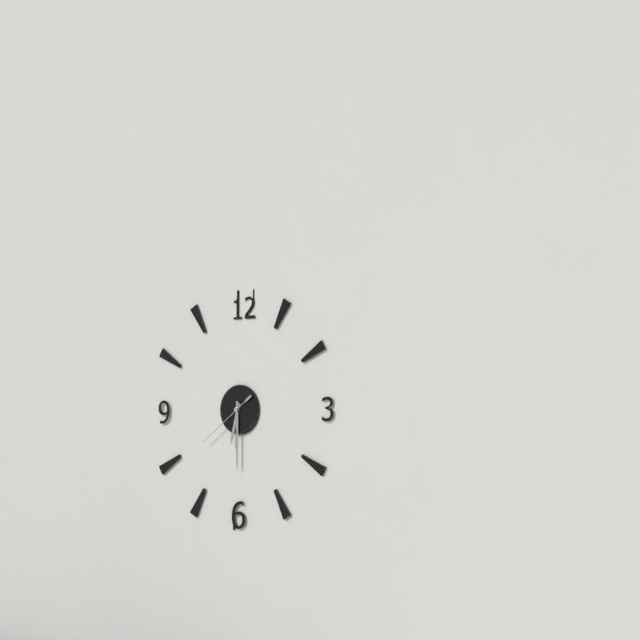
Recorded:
{"hour": 6, "minute": 30, "second": 39}
